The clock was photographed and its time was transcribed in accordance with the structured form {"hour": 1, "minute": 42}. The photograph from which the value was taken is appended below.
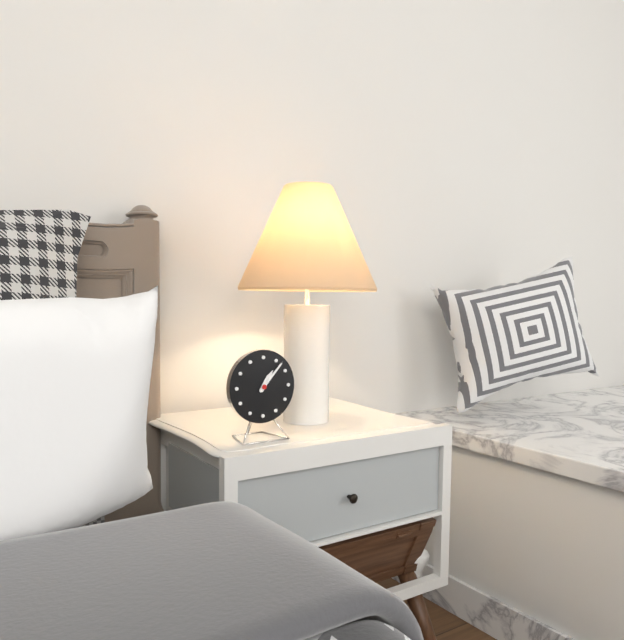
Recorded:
{"hour": 1, "minute": 7}
